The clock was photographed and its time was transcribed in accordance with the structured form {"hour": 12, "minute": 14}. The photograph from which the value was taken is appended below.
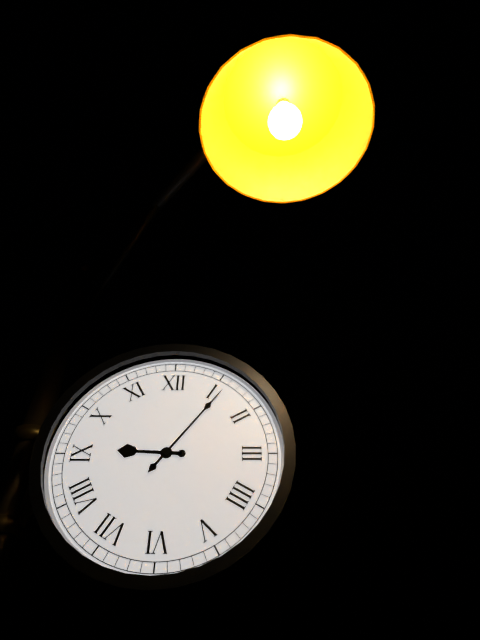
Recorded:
{"hour": 9, "minute": 6}
